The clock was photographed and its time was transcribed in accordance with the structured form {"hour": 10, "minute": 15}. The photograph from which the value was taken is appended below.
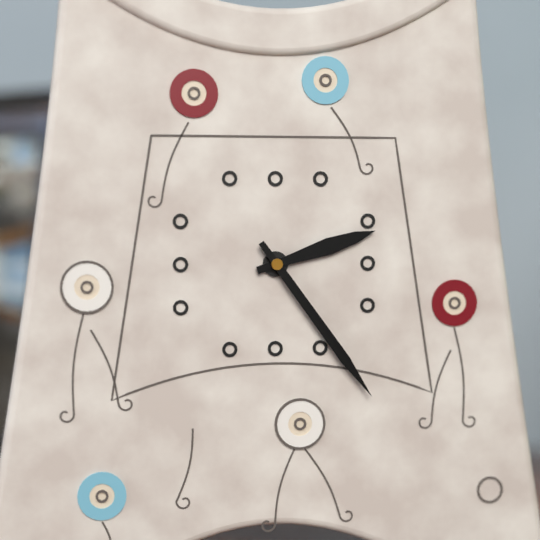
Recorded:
{"hour": 2, "minute": 24}
